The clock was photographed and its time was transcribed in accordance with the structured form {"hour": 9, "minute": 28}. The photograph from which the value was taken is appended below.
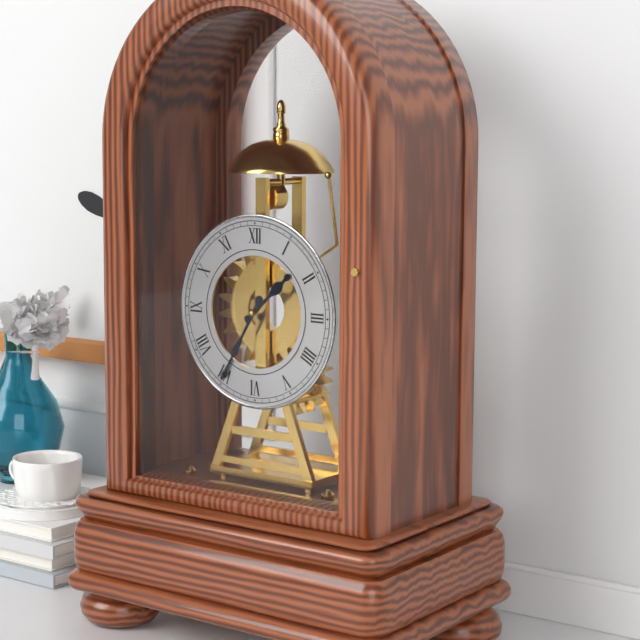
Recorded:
{"hour": 1, "minute": 35}
